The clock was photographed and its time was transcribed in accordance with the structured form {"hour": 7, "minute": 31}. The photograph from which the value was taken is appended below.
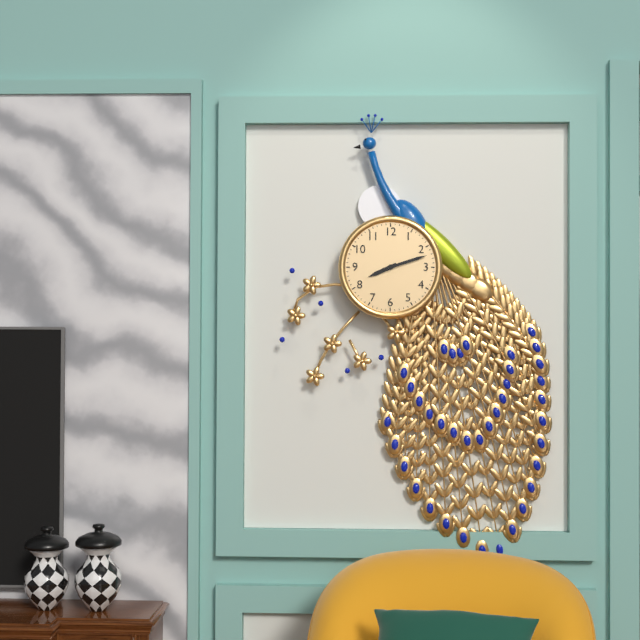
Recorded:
{"hour": 8, "minute": 12}
